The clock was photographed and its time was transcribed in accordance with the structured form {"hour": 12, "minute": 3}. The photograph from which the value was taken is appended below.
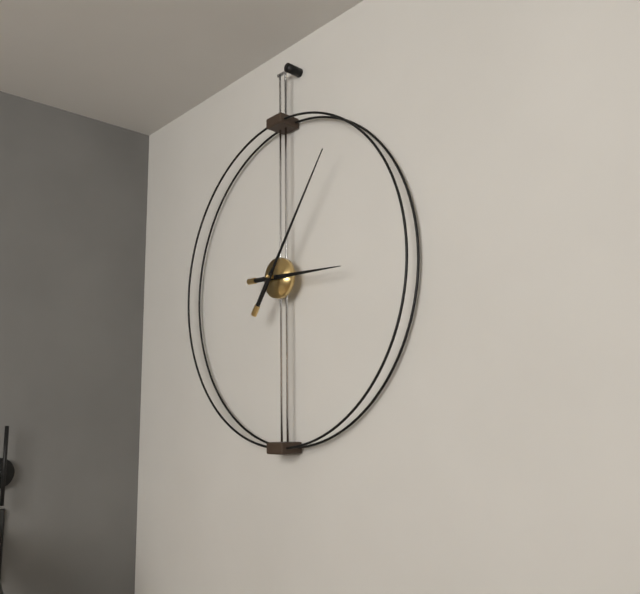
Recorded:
{"hour": 3, "minute": 6}
